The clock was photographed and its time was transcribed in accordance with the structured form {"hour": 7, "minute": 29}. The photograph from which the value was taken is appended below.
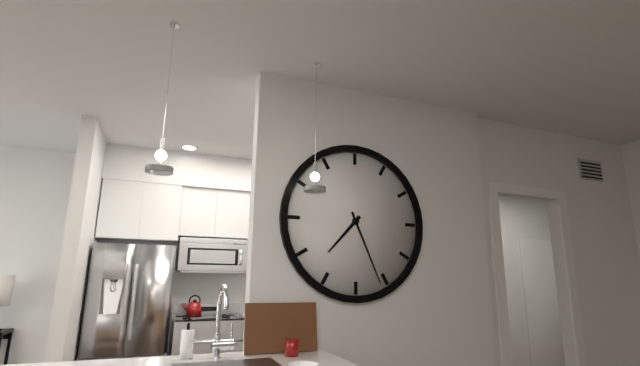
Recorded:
{"hour": 7, "minute": 26}
